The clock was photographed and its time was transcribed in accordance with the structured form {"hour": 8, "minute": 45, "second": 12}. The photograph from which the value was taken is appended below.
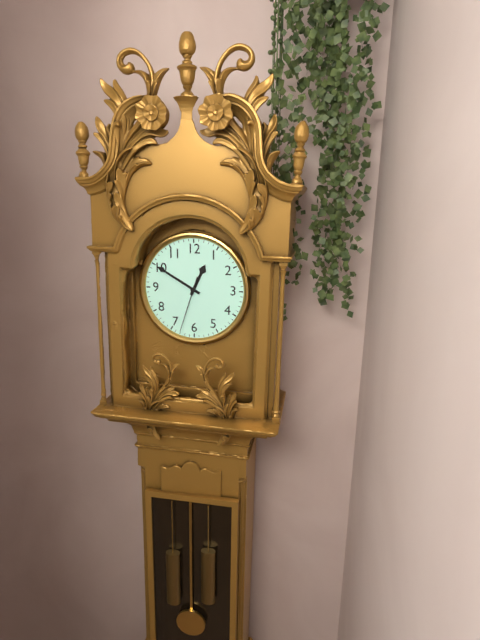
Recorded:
{"hour": 12, "minute": 50, "second": 33}
